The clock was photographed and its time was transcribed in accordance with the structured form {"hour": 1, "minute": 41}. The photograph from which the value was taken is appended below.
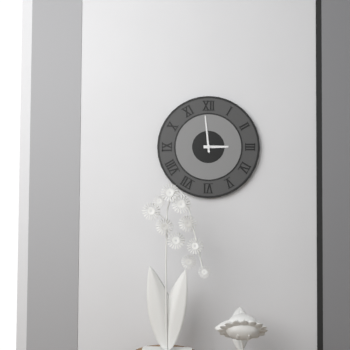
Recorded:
{"hour": 2, "minute": 59}
